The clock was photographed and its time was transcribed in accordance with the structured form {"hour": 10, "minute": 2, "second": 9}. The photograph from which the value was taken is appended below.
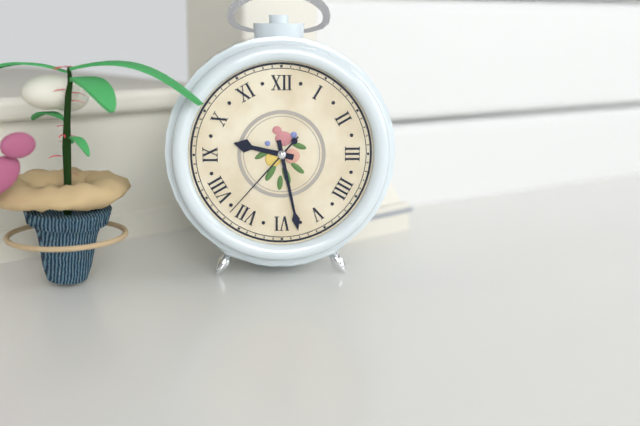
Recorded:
{"hour": 9, "minute": 28, "second": 37}
